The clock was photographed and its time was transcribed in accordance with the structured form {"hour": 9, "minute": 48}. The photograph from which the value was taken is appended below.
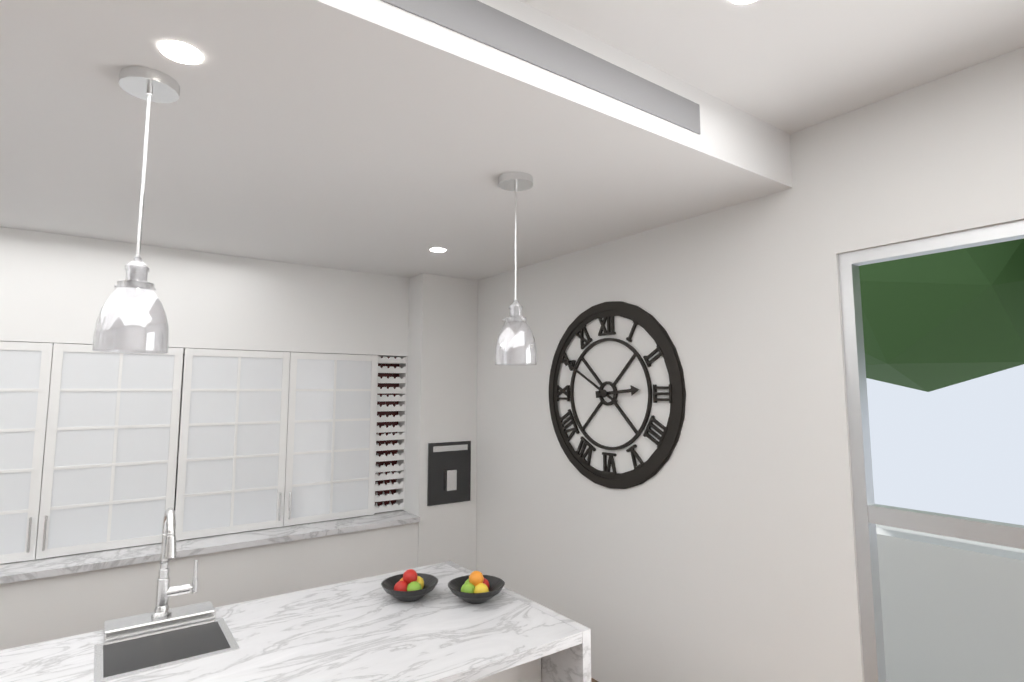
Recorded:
{"hour": 2, "minute": 50}
